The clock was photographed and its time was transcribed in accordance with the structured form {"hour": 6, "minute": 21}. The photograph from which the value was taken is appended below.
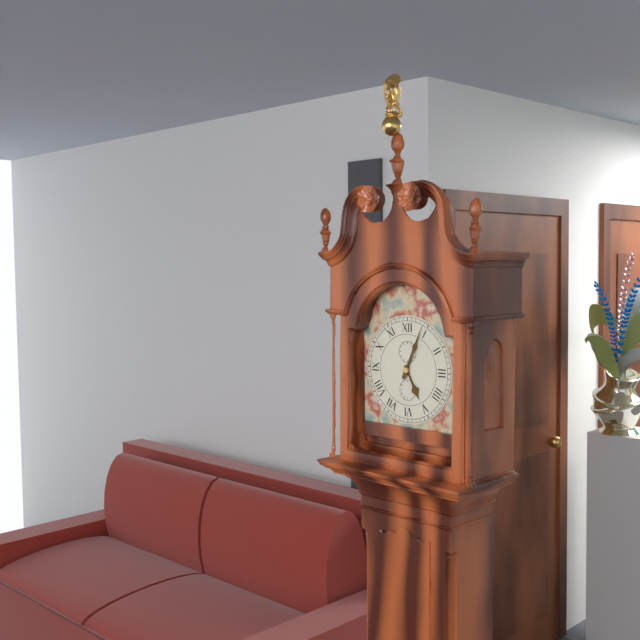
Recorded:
{"hour": 5, "minute": 4}
